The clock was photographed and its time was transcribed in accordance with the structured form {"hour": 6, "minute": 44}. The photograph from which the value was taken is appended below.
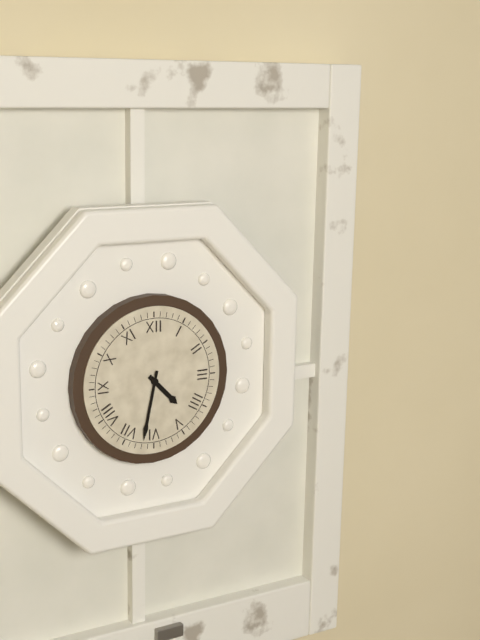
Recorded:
{"hour": 4, "minute": 32}
